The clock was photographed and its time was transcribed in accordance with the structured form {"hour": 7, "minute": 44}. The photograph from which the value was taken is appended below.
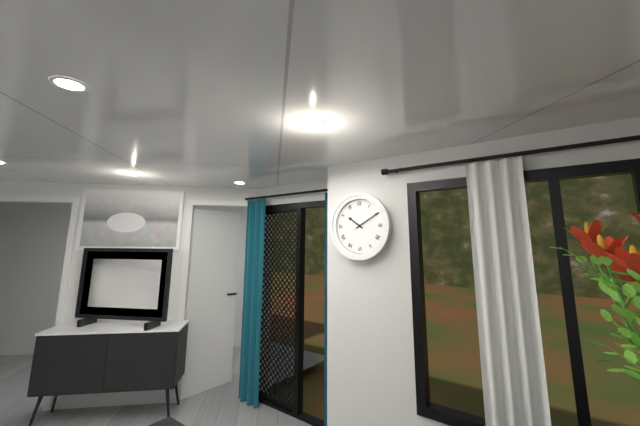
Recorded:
{"hour": 10, "minute": 10}
